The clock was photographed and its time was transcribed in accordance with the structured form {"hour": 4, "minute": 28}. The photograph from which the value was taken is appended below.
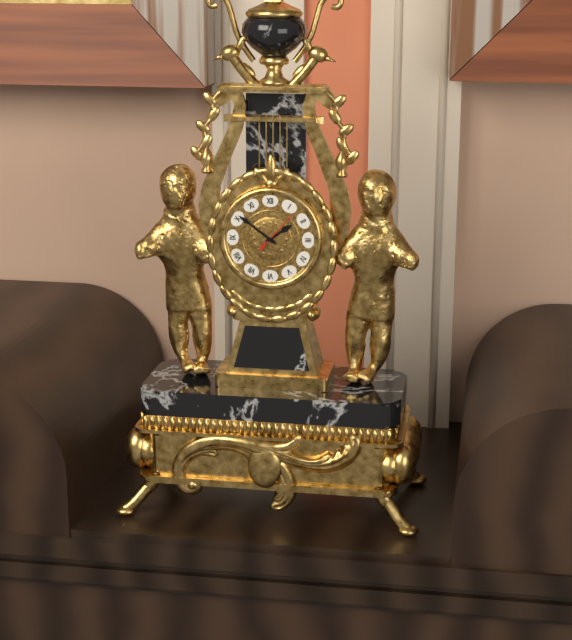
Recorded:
{"hour": 1, "minute": 51}
